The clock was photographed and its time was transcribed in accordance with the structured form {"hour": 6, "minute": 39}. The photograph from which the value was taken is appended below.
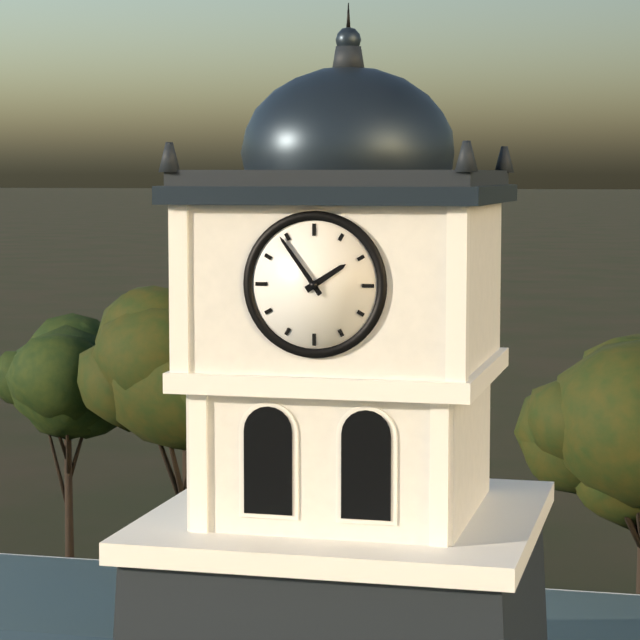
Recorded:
{"hour": 1, "minute": 54}
